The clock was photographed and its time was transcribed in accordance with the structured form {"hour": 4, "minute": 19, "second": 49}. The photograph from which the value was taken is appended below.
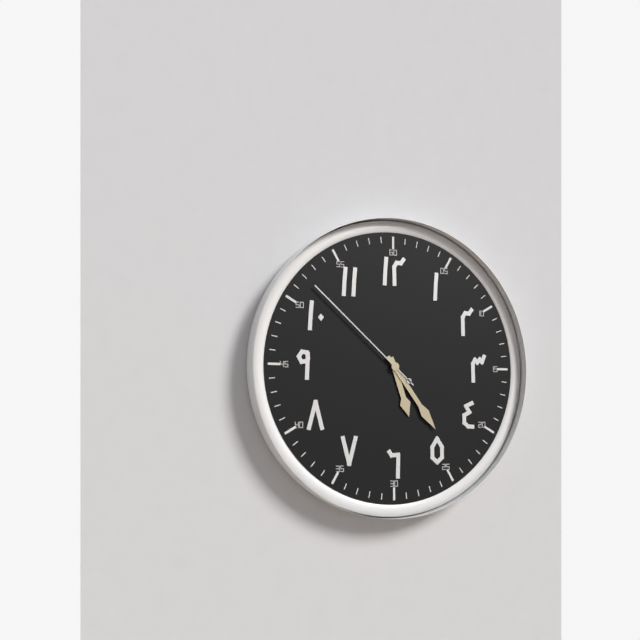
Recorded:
{"hour": 5, "minute": 24, "second": 52}
